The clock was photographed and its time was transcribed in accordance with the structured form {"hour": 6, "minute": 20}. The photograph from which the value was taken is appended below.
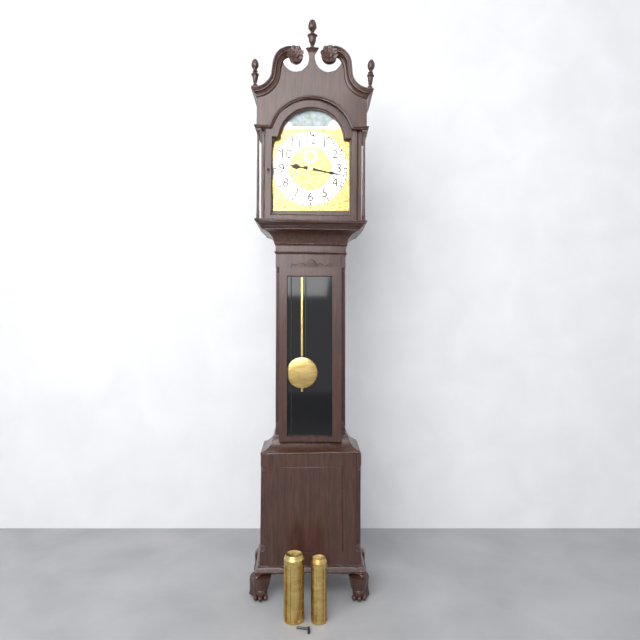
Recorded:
{"hour": 9, "minute": 17}
